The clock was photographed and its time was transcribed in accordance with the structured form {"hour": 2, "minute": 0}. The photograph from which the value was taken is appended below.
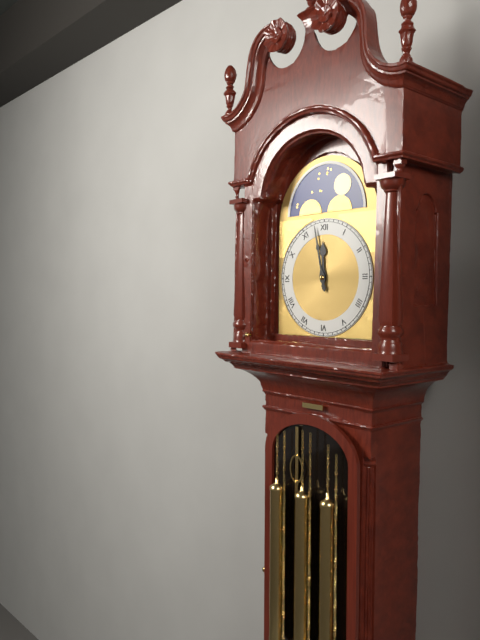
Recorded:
{"hour": 11, "minute": 58}
